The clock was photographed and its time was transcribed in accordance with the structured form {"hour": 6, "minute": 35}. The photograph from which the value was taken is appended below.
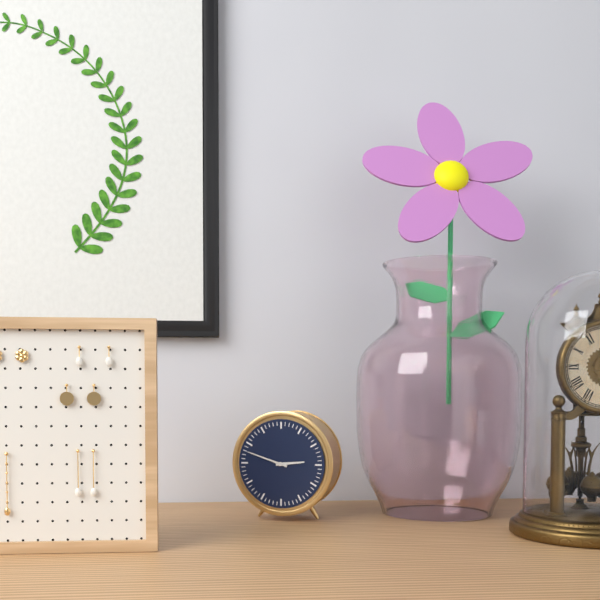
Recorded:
{"hour": 2, "minute": 48}
